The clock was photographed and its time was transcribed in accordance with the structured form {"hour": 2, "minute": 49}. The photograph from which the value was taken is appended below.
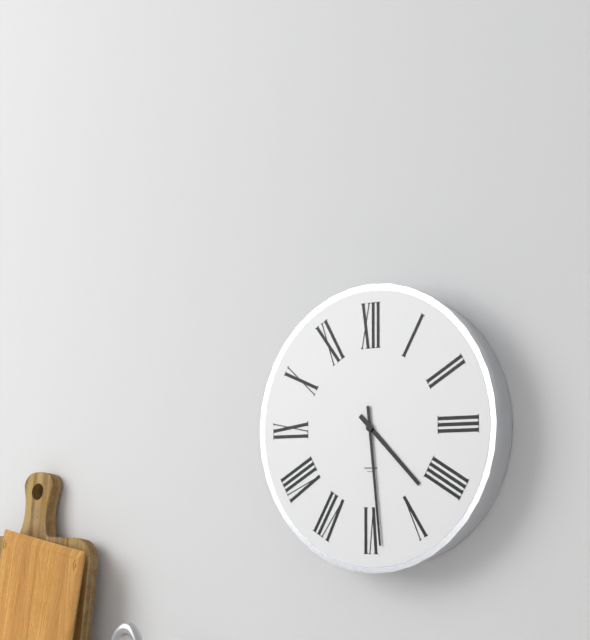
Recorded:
{"hour": 4, "minute": 29}
